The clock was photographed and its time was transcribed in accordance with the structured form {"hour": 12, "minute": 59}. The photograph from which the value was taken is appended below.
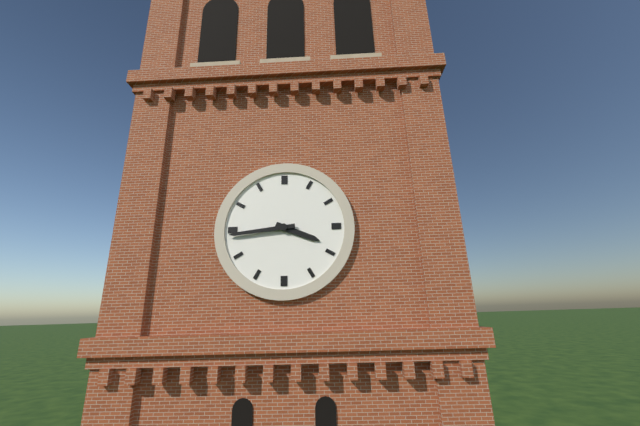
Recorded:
{"hour": 3, "minute": 44}
